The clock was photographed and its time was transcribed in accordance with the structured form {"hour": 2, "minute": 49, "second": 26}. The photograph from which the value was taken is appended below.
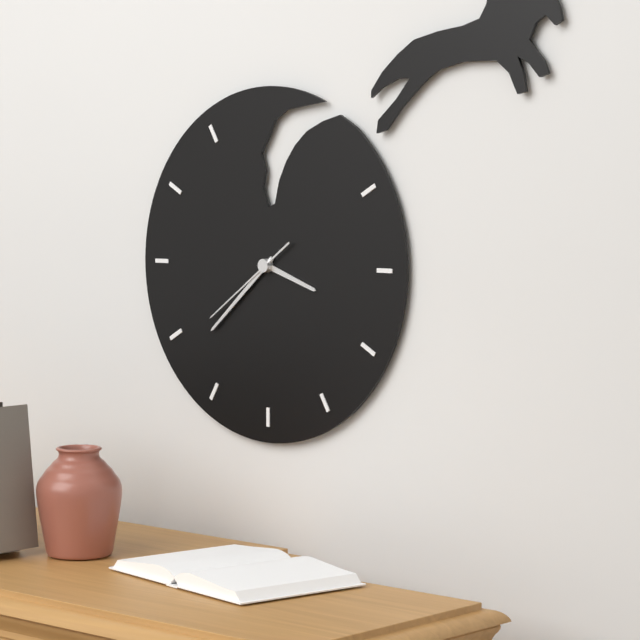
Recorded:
{"hour": 3, "minute": 38, "second": 39}
